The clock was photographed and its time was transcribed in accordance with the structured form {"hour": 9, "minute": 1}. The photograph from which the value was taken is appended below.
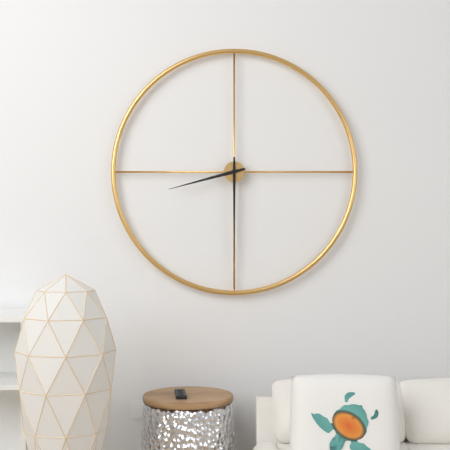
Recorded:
{"hour": 8, "minute": 30}
